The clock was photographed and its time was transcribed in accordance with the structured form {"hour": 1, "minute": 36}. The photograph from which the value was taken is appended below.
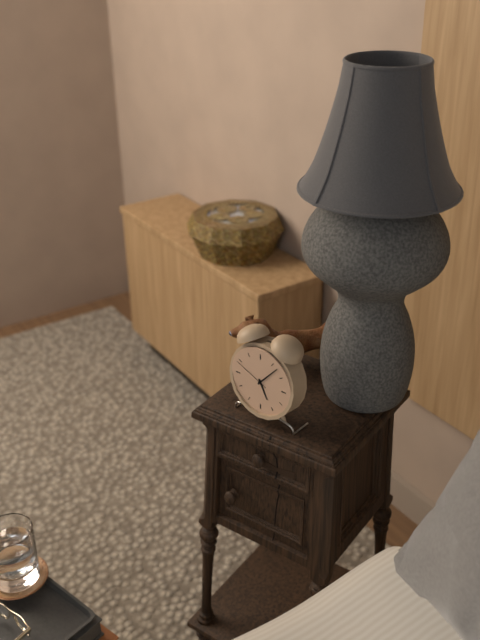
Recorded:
{"hour": 5, "minute": 7}
